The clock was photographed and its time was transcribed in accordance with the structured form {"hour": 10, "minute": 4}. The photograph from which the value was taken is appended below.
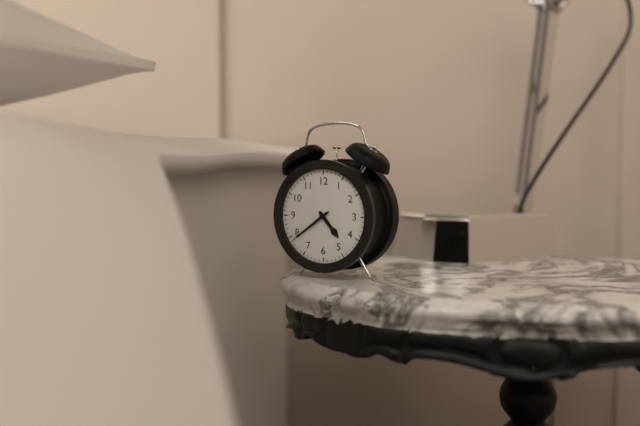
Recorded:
{"hour": 4, "minute": 39}
